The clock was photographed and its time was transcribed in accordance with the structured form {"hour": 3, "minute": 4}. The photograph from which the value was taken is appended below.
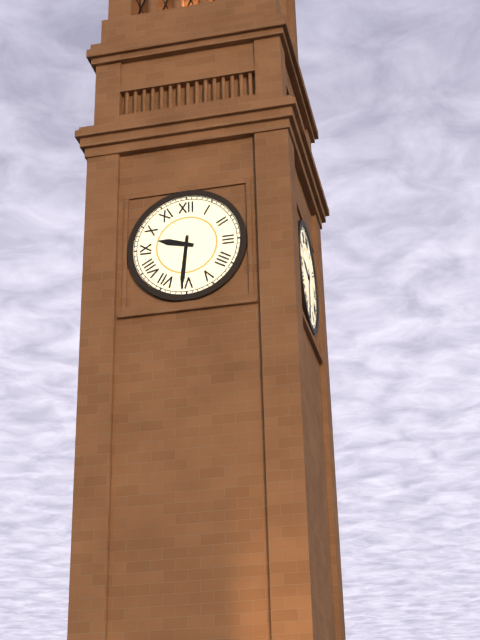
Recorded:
{"hour": 9, "minute": 31}
